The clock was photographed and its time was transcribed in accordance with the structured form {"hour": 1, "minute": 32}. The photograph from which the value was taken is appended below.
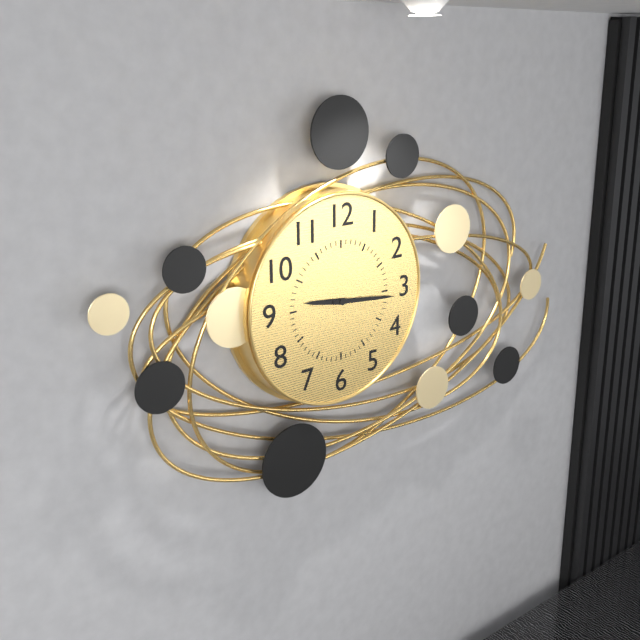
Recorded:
{"hour": 9, "minute": 16}
